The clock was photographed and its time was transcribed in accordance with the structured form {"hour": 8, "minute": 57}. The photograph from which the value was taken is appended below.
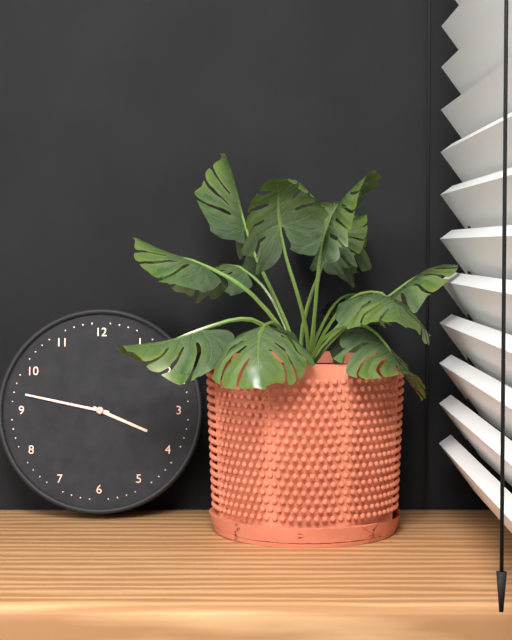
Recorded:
{"hour": 3, "minute": 47}
